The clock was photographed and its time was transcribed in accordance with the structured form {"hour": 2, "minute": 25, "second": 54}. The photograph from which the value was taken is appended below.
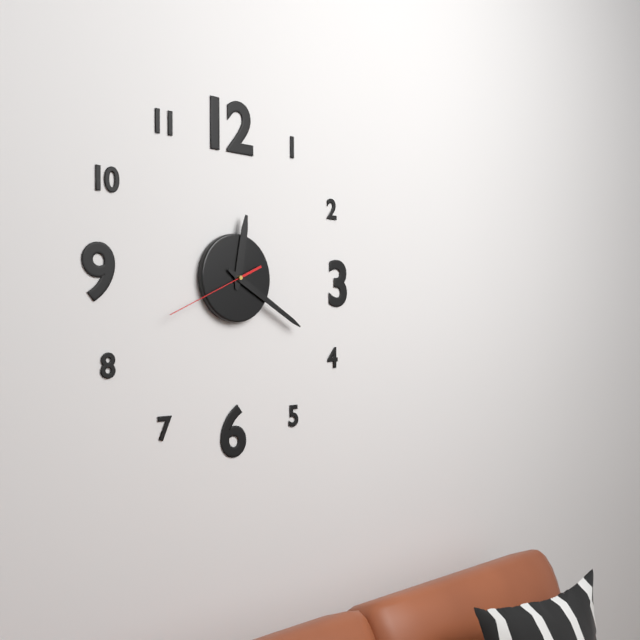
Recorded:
{"hour": 12, "minute": 20, "second": 41}
